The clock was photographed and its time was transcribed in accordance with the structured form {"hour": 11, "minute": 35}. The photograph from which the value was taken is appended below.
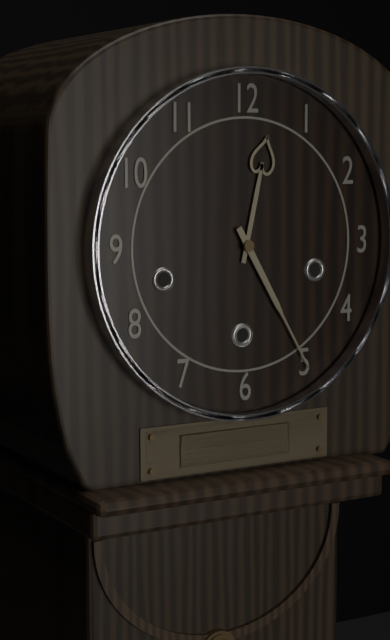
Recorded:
{"hour": 12, "minute": 25}
